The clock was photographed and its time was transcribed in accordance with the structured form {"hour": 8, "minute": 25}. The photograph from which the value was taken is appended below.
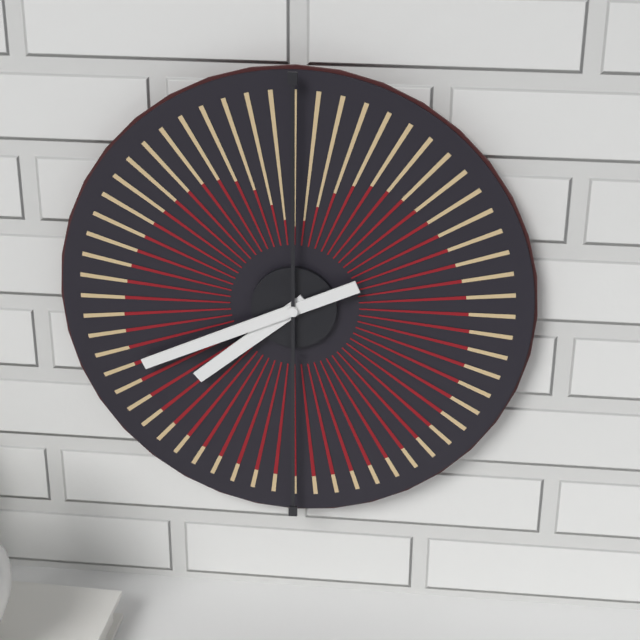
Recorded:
{"hour": 7, "minute": 41}
